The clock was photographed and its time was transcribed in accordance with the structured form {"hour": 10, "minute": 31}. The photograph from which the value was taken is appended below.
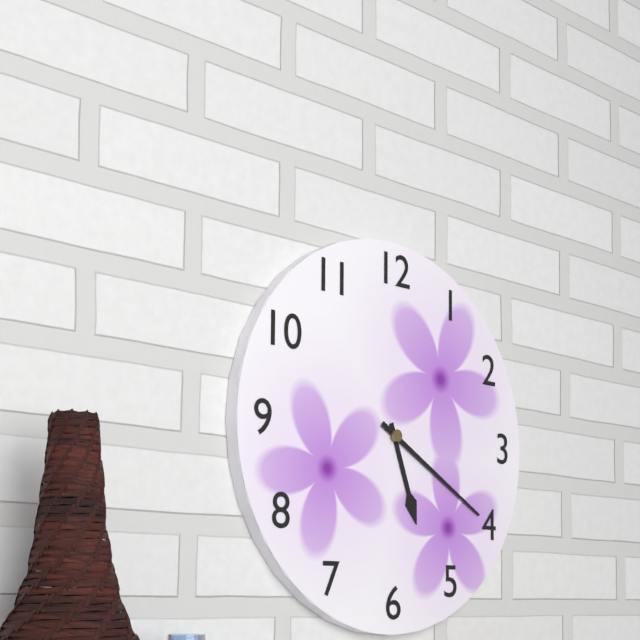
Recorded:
{"hour": 5, "minute": 20}
